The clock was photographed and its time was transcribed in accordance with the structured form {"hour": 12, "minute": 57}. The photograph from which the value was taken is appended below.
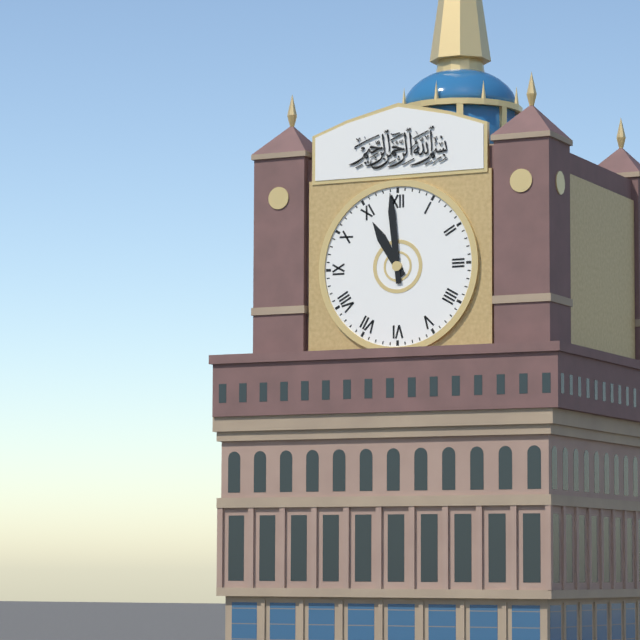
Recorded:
{"hour": 10, "minute": 59}
